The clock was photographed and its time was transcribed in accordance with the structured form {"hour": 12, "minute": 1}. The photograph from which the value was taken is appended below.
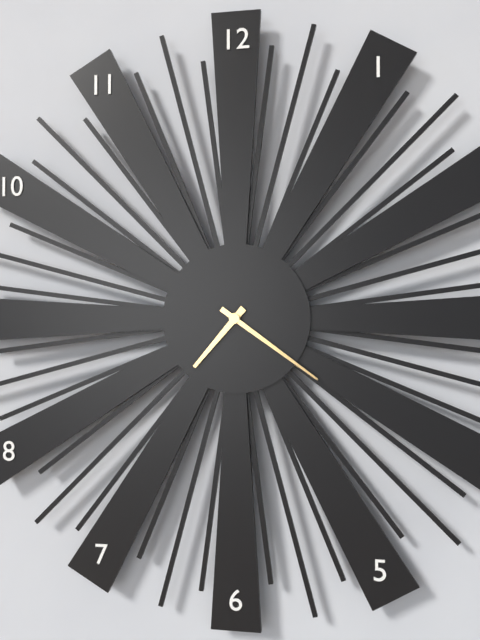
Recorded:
{"hour": 7, "minute": 21}
